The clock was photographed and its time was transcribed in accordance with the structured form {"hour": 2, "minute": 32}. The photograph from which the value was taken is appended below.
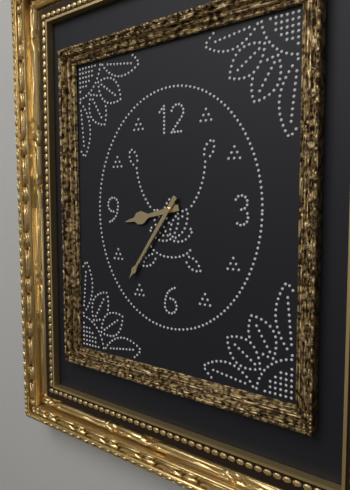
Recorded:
{"hour": 8, "minute": 36}
